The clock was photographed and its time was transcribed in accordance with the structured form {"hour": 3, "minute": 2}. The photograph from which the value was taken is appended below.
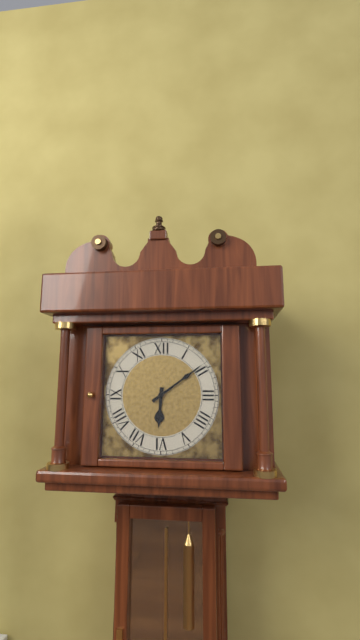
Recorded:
{"hour": 6, "minute": 9}
